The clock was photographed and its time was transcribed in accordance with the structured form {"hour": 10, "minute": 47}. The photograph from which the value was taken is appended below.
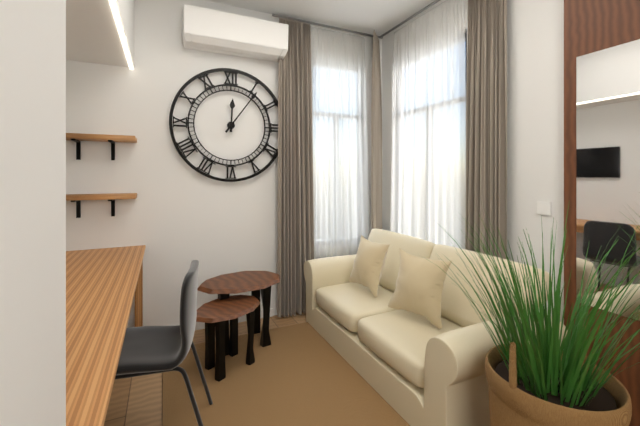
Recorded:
{"hour": 12, "minute": 6}
